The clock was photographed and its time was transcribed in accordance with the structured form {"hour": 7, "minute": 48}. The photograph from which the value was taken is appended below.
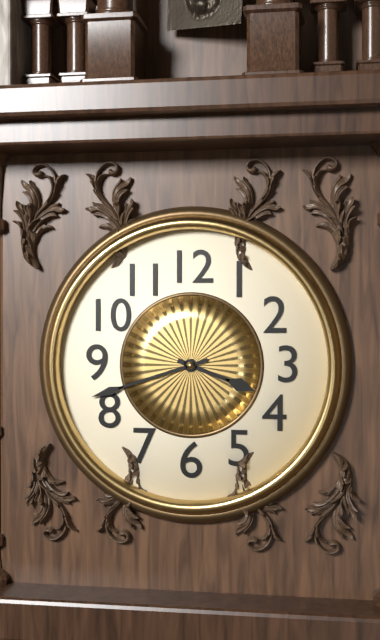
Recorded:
{"hour": 3, "minute": 42}
